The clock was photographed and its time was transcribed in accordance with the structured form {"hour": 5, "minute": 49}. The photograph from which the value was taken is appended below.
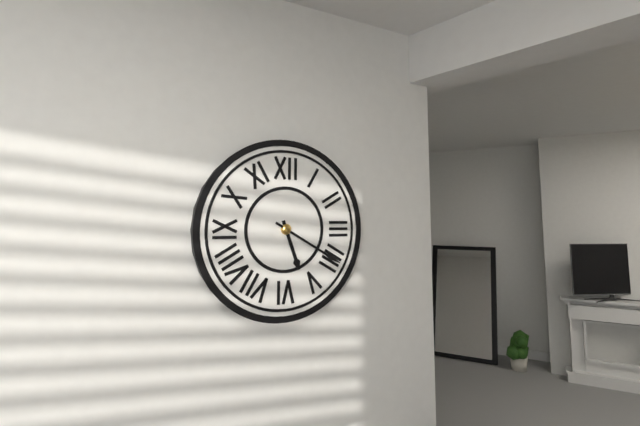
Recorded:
{"hour": 5, "minute": 20}
